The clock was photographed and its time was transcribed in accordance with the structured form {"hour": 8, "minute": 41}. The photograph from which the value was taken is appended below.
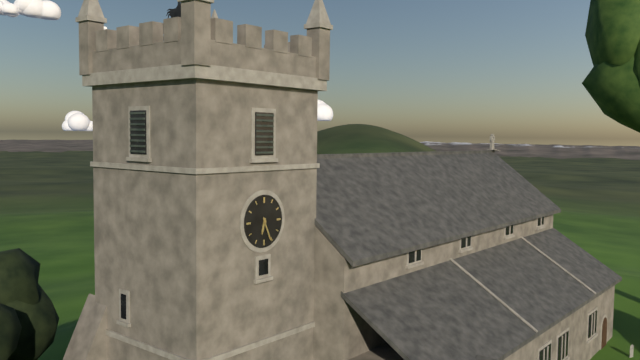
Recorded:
{"hour": 6, "minute": 26}
